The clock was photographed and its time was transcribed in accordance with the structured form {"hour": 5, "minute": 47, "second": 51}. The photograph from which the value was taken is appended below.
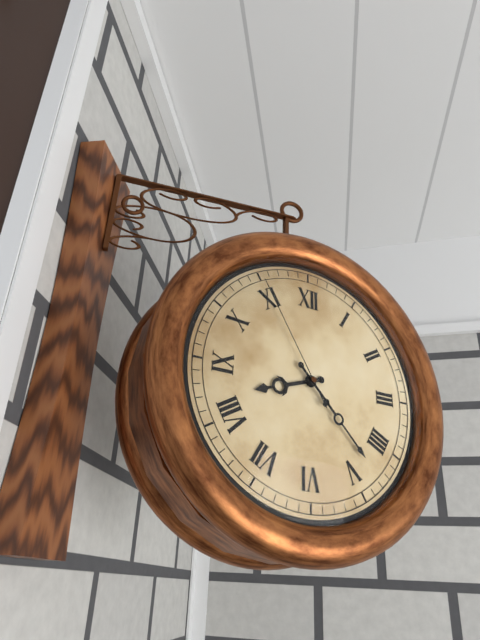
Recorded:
{"hour": 8, "minute": 23, "second": 55}
